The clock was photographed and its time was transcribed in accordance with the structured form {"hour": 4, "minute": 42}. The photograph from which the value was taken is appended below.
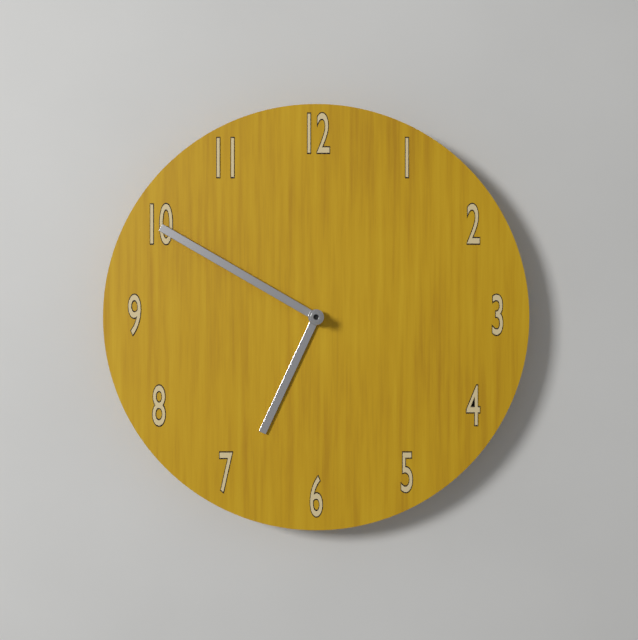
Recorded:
{"hour": 6, "minute": 50}
